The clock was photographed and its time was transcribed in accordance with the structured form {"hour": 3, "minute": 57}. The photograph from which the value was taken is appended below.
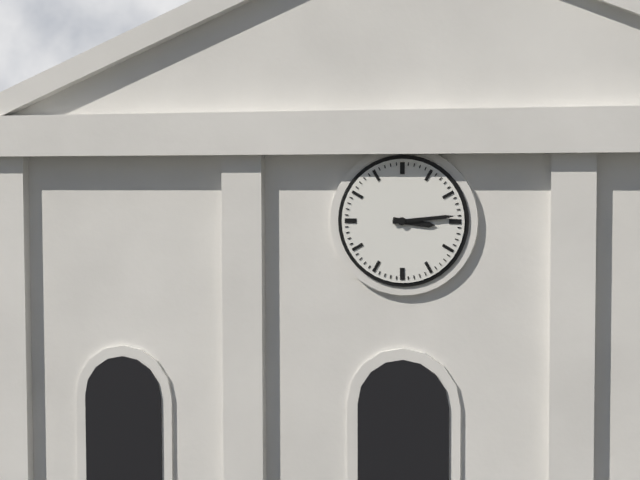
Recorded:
{"hour": 3, "minute": 14}
